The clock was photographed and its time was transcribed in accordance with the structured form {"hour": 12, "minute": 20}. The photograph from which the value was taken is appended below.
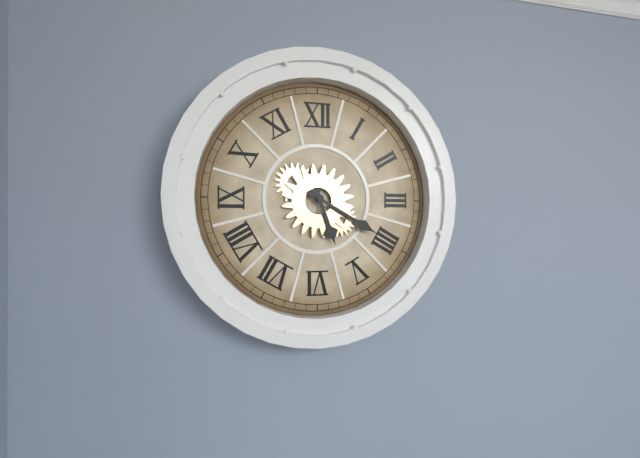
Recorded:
{"hour": 5, "minute": 20}
